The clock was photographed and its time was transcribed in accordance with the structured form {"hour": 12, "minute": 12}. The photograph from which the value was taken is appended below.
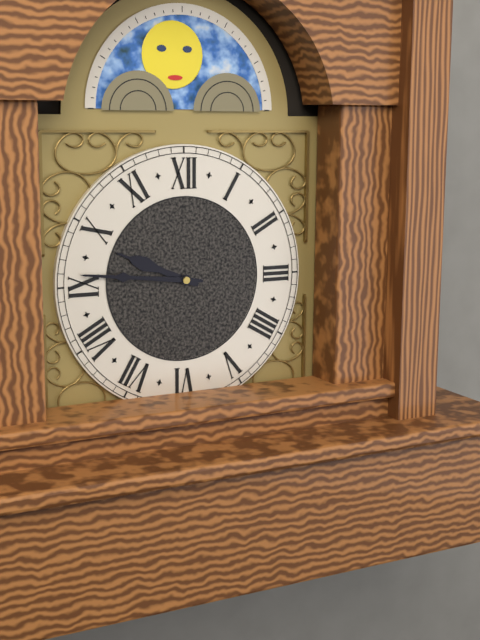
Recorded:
{"hour": 9, "minute": 46}
